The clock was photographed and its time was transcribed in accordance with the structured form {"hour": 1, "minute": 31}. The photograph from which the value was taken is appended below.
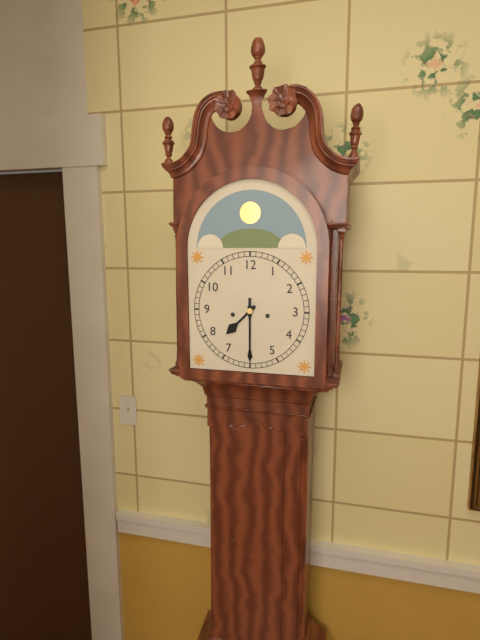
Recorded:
{"hour": 7, "minute": 30}
